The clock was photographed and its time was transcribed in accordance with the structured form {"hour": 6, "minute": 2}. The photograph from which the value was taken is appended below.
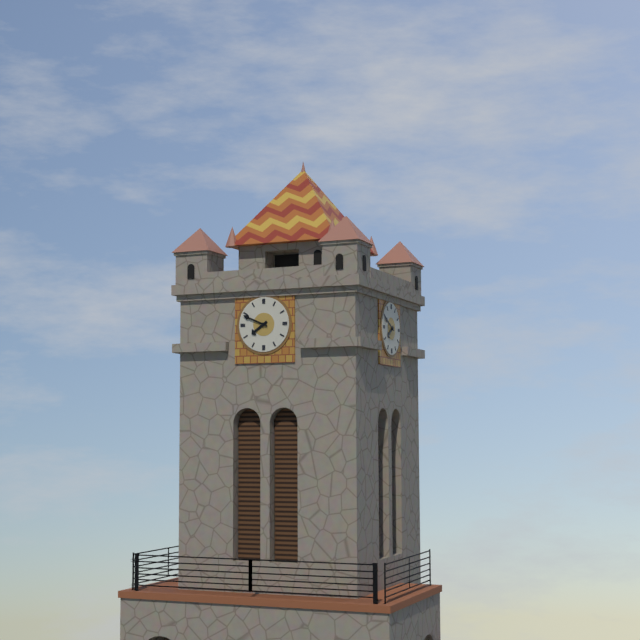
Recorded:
{"hour": 7, "minute": 49}
